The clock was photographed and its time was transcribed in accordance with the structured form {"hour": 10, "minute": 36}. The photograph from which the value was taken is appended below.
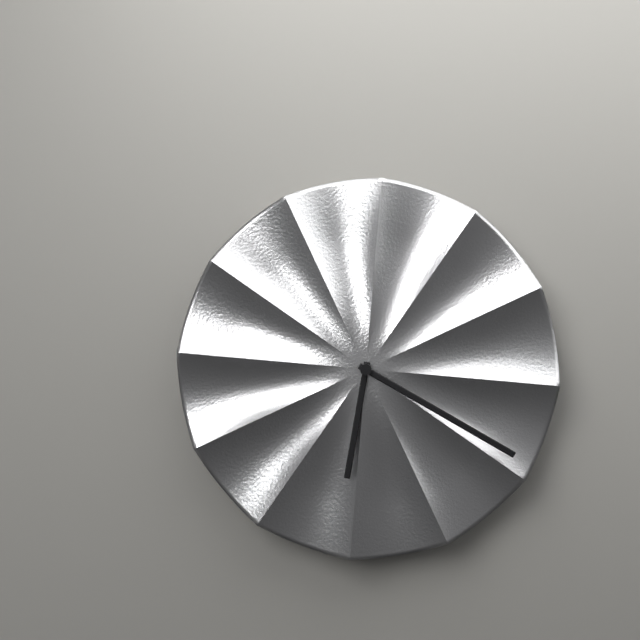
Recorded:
{"hour": 6, "minute": 20}
